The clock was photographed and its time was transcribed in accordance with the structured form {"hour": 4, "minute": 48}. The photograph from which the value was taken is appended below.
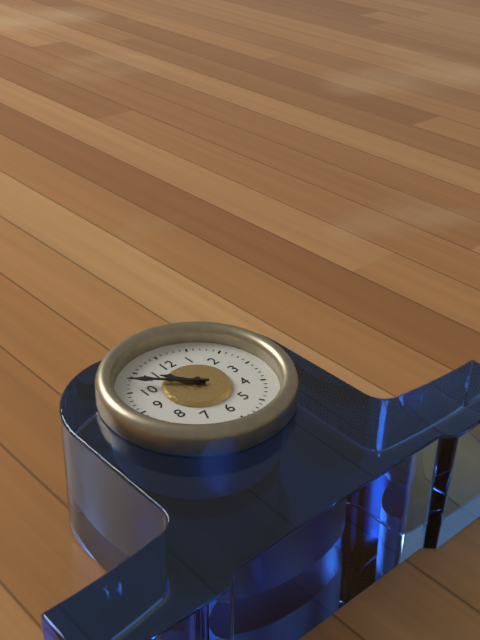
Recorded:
{"hour": 10, "minute": 52}
